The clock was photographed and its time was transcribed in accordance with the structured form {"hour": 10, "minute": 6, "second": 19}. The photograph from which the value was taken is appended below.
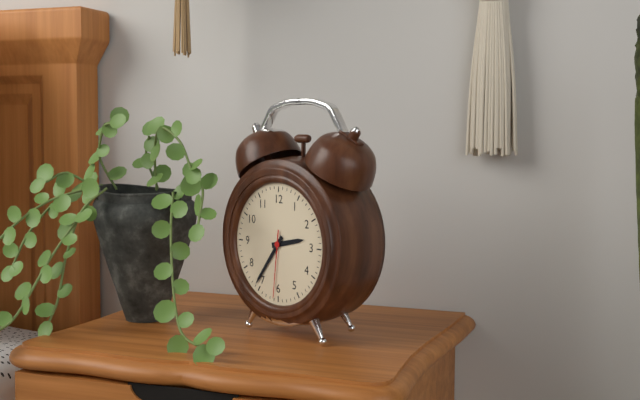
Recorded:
{"hour": 2, "minute": 36, "second": 31}
